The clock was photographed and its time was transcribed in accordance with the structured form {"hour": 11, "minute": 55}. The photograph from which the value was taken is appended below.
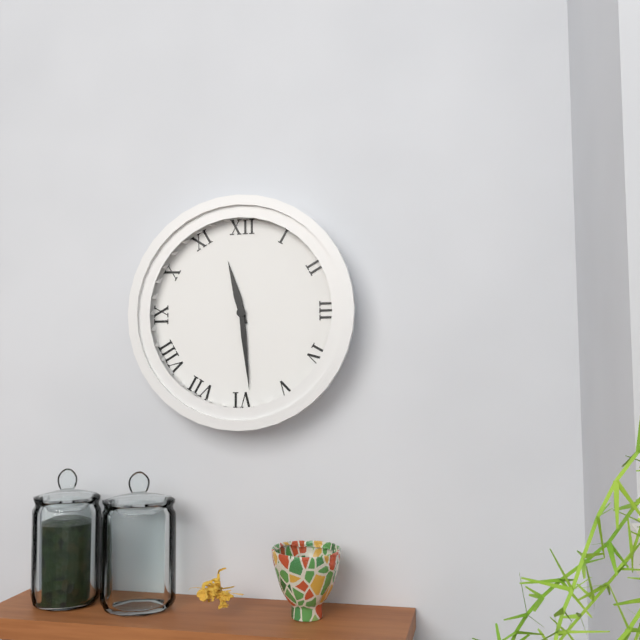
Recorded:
{"hour": 11, "minute": 29}
